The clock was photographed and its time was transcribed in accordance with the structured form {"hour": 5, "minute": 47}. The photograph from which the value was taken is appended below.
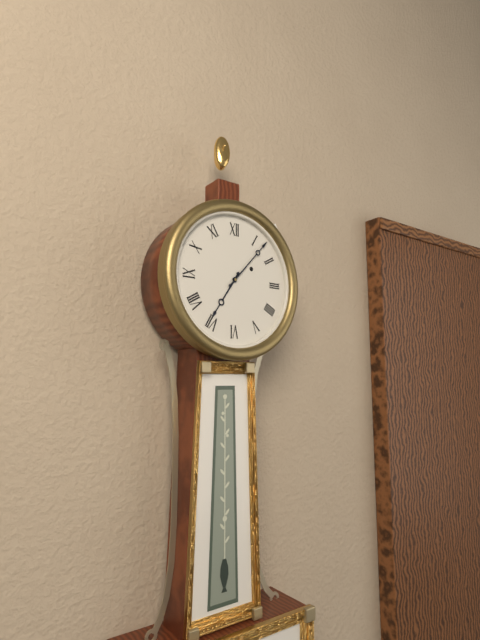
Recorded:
{"hour": 7, "minute": 7}
